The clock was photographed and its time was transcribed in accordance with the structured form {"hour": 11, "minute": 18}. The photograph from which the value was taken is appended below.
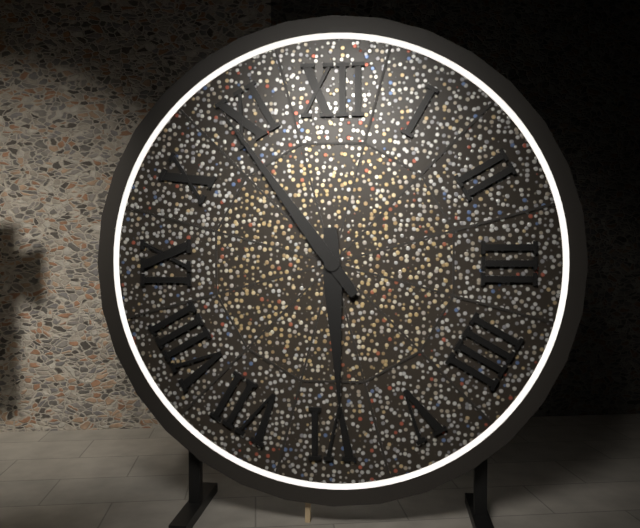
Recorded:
{"hour": 5, "minute": 54}
